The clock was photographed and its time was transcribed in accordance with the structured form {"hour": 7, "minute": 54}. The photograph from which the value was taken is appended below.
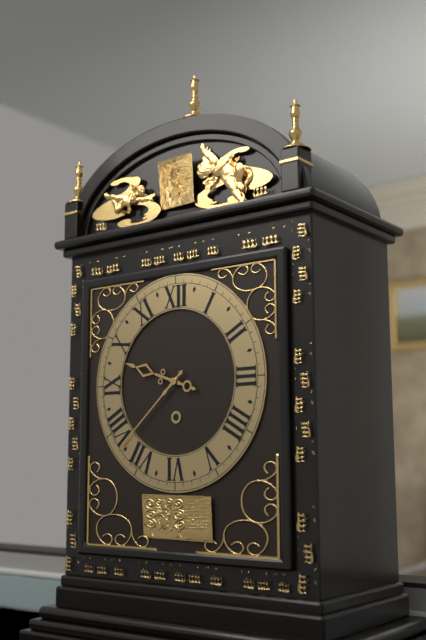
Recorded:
{"hour": 9, "minute": 38}
